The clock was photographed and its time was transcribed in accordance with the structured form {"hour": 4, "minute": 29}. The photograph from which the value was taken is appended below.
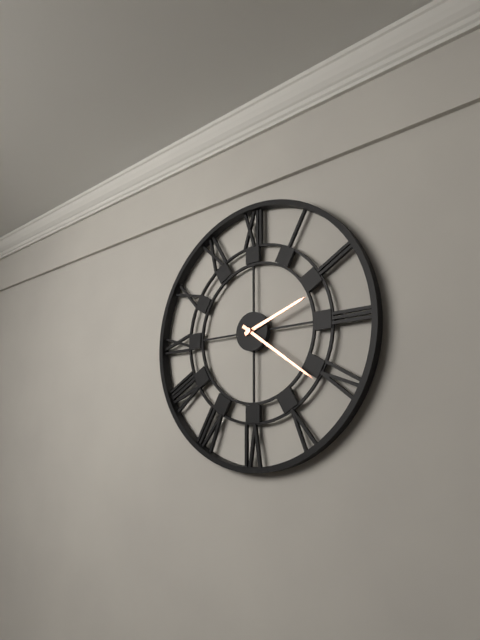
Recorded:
{"hour": 2, "minute": 21}
